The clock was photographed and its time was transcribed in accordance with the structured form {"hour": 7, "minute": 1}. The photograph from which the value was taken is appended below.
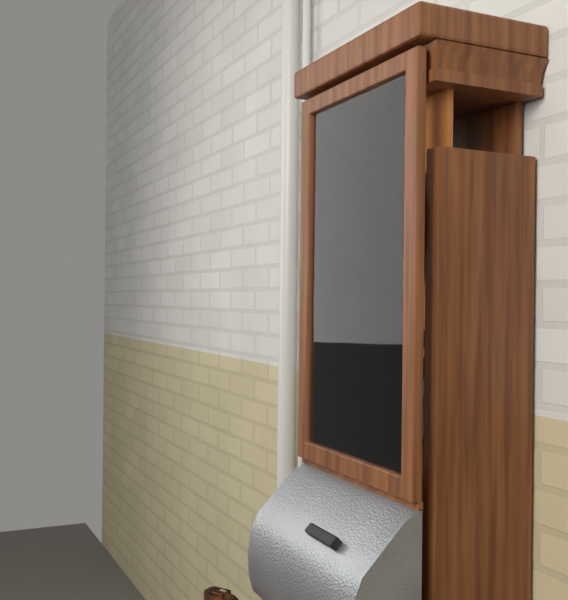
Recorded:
{"hour": 6, "minute": 4}
